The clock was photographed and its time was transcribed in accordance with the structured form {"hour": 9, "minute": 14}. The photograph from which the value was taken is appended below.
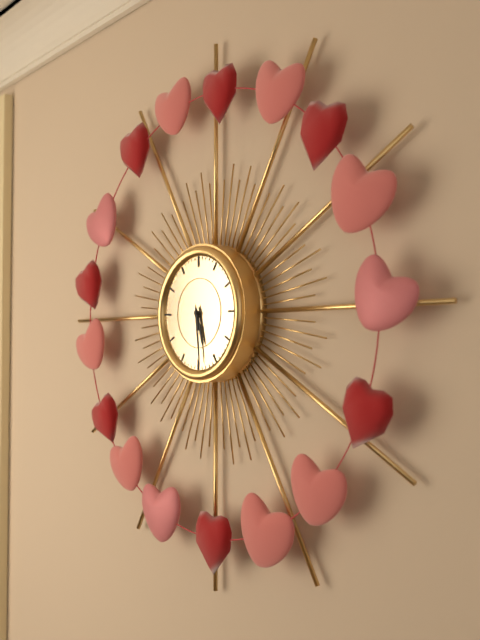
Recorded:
{"hour": 5, "minute": 29}
